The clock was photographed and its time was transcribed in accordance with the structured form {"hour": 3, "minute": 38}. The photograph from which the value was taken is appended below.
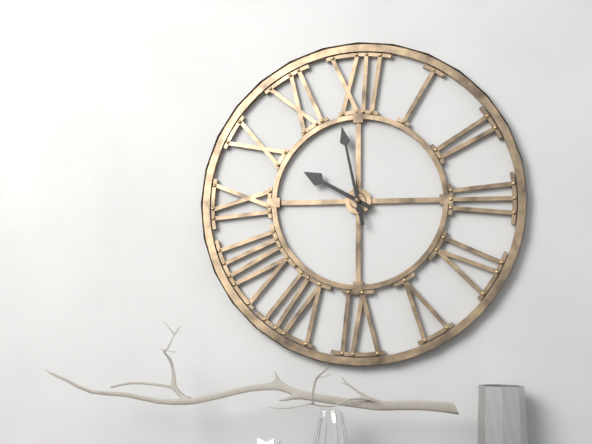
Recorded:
{"hour": 9, "minute": 58}
